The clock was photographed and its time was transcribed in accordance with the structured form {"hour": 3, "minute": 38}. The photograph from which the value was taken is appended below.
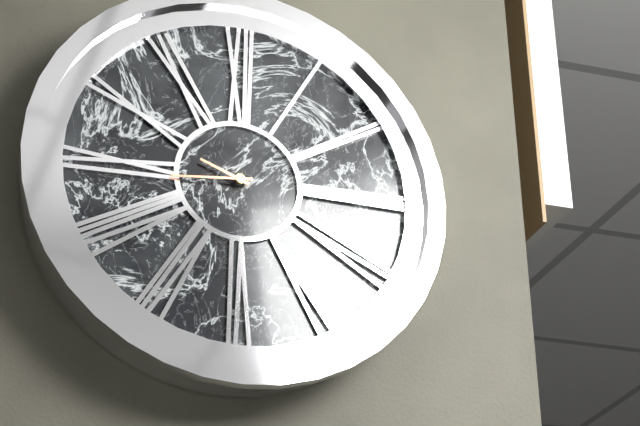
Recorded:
{"hour": 9, "minute": 44}
